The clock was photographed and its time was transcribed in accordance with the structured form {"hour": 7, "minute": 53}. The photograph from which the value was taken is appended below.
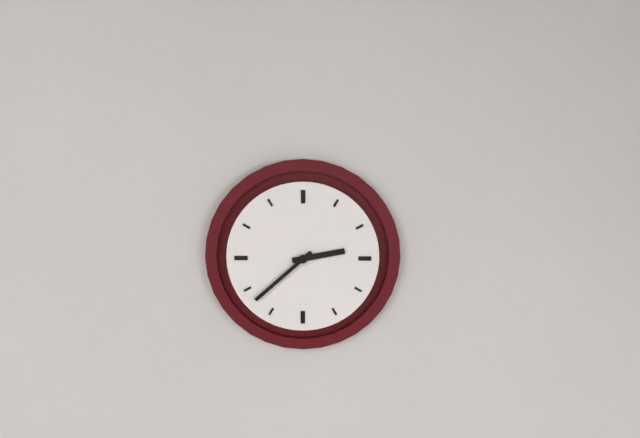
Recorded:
{"hour": 2, "minute": 38}
